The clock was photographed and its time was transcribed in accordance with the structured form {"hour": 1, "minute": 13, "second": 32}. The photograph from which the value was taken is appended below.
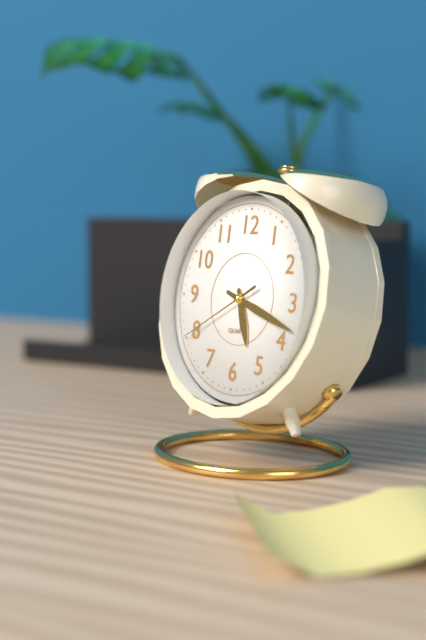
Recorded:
{"hour": 5, "minute": 18, "second": 40}
